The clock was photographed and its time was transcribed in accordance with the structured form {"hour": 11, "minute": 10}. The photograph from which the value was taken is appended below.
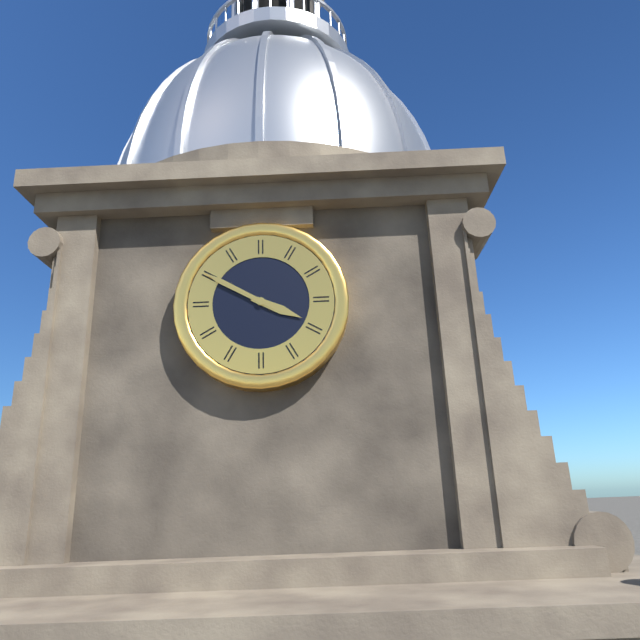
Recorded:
{"hour": 3, "minute": 50}
